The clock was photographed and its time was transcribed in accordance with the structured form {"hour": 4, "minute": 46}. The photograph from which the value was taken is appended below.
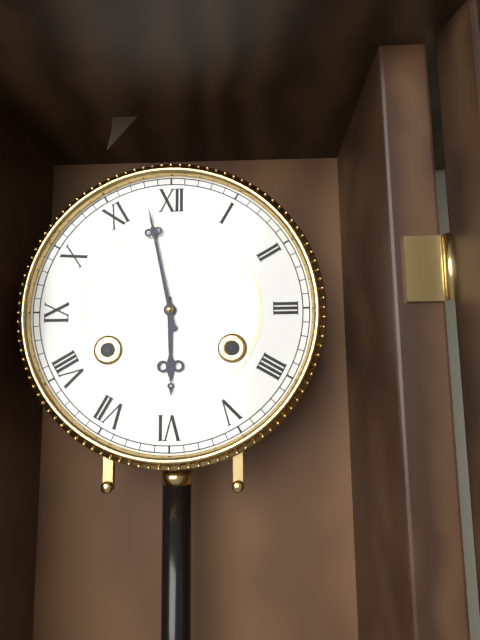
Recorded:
{"hour": 5, "minute": 58}
